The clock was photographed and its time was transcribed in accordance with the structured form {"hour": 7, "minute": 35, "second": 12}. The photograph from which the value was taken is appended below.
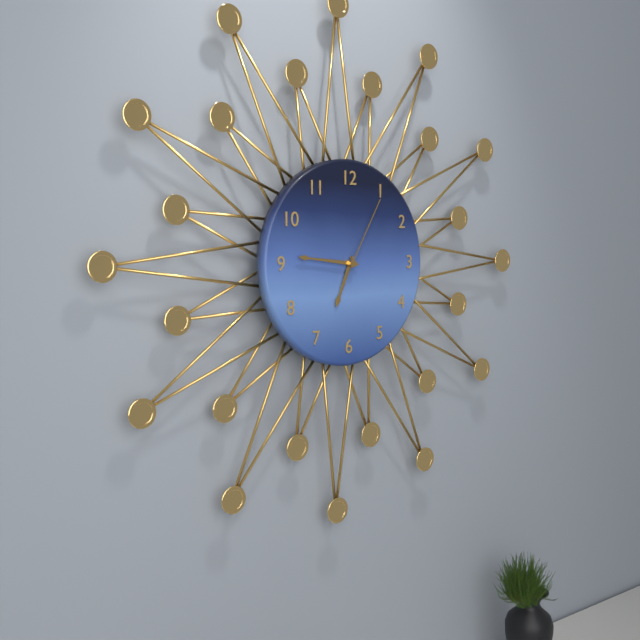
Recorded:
{"hour": 6, "minute": 46, "second": 5}
